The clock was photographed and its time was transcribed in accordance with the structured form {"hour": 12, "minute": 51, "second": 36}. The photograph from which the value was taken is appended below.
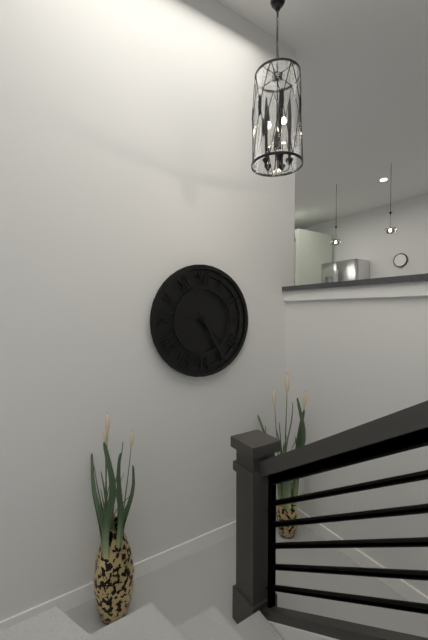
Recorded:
{"hour": 4, "minute": 25, "second": 47}
